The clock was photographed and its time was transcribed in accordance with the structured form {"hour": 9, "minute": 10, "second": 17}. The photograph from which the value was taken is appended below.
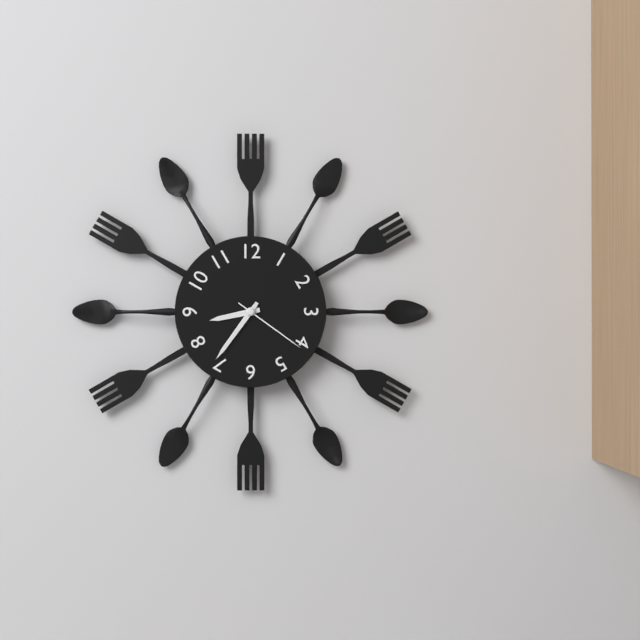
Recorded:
{"hour": 8, "minute": 36, "second": 21}
